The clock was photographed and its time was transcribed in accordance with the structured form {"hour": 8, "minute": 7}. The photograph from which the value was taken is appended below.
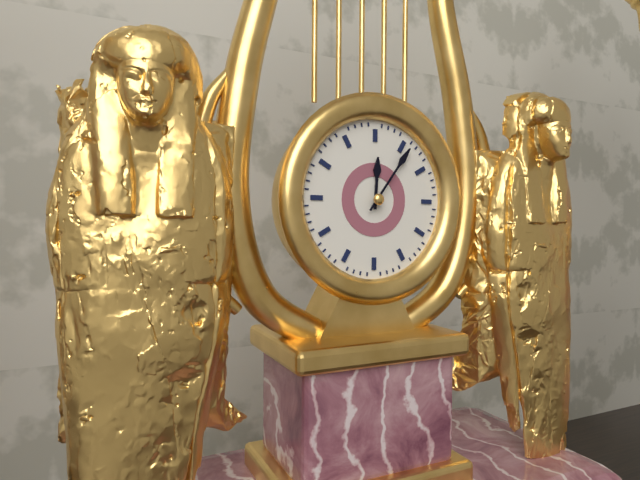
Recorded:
{"hour": 12, "minute": 6}
